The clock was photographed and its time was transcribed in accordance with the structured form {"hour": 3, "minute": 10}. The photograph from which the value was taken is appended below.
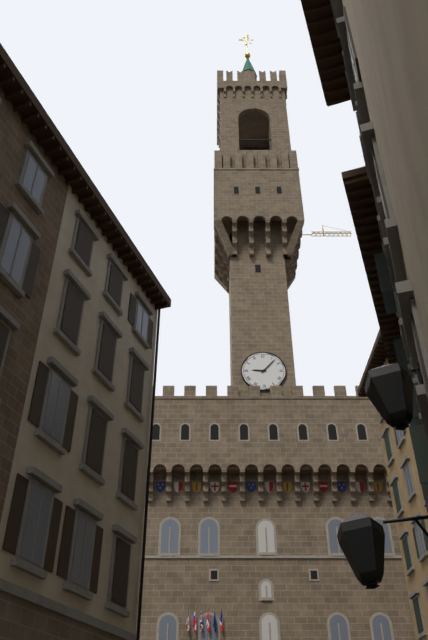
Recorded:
{"hour": 9, "minute": 7}
